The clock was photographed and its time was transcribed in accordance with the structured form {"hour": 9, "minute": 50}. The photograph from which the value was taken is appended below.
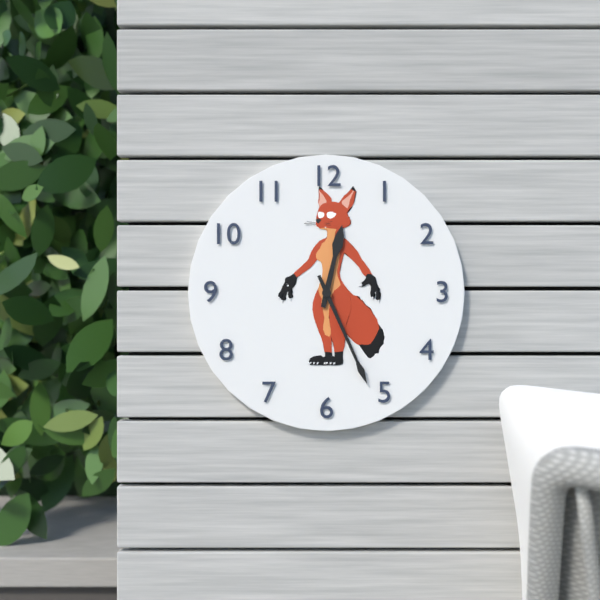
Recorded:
{"hour": 12, "minute": 26}
